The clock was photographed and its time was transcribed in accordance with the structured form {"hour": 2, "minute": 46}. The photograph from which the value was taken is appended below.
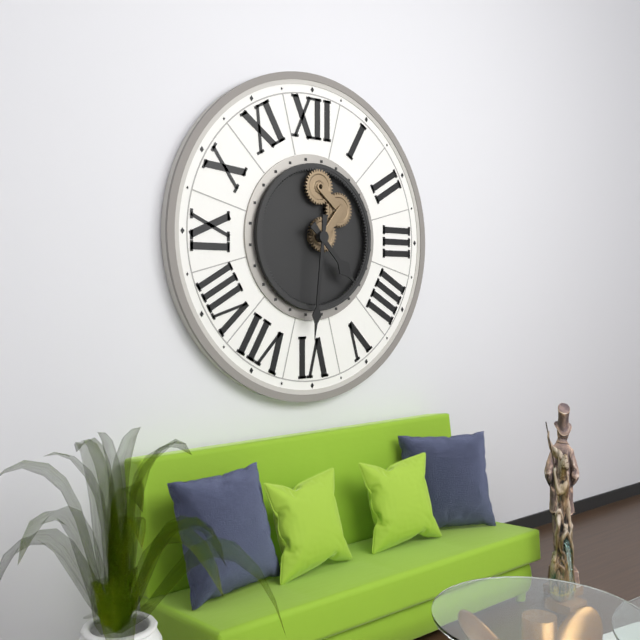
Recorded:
{"hour": 4, "minute": 31}
